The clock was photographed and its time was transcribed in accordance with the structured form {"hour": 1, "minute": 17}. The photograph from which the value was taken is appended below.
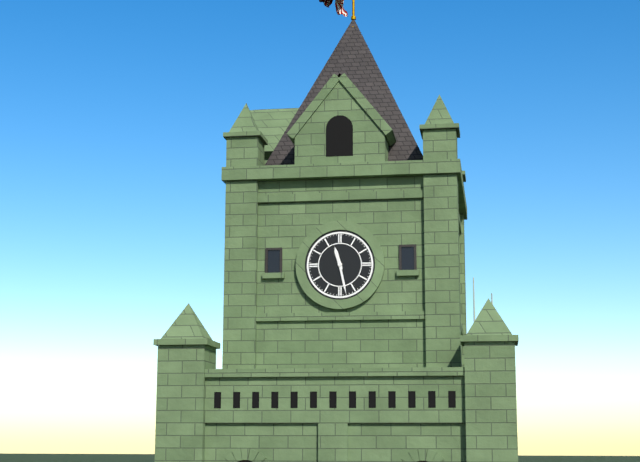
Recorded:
{"hour": 11, "minute": 28}
